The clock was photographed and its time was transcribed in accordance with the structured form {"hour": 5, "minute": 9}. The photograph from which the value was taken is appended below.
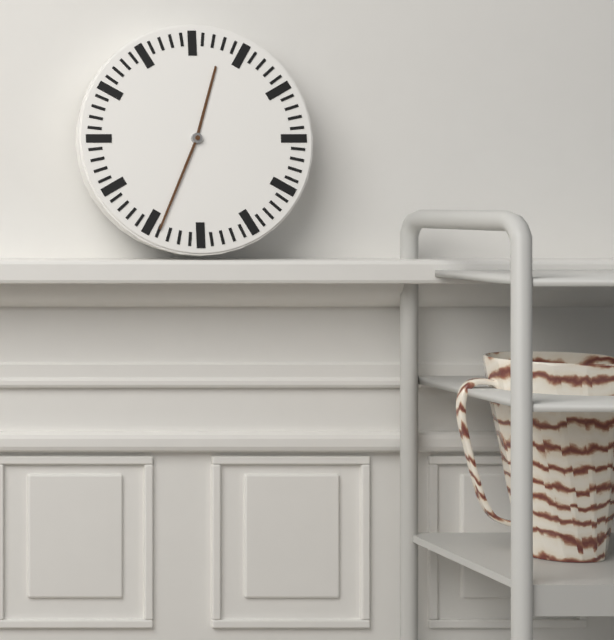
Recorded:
{"hour": 12, "minute": 34}
